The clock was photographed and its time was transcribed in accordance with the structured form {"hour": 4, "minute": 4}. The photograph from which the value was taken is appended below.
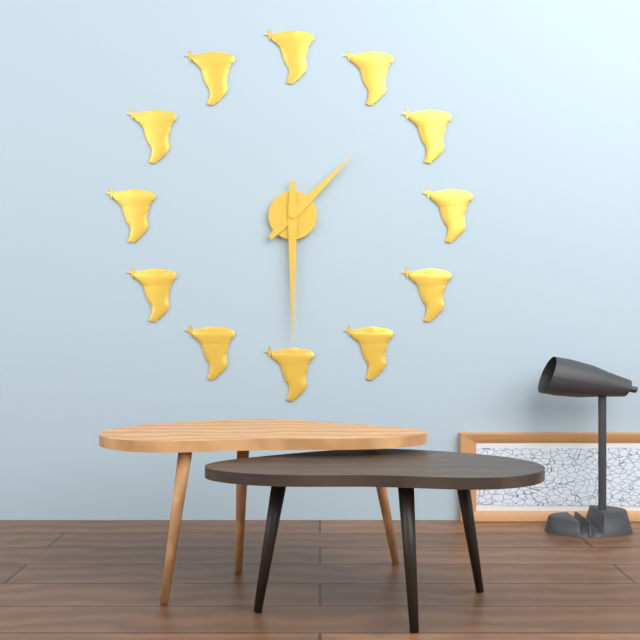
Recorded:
{"hour": 1, "minute": 30}
